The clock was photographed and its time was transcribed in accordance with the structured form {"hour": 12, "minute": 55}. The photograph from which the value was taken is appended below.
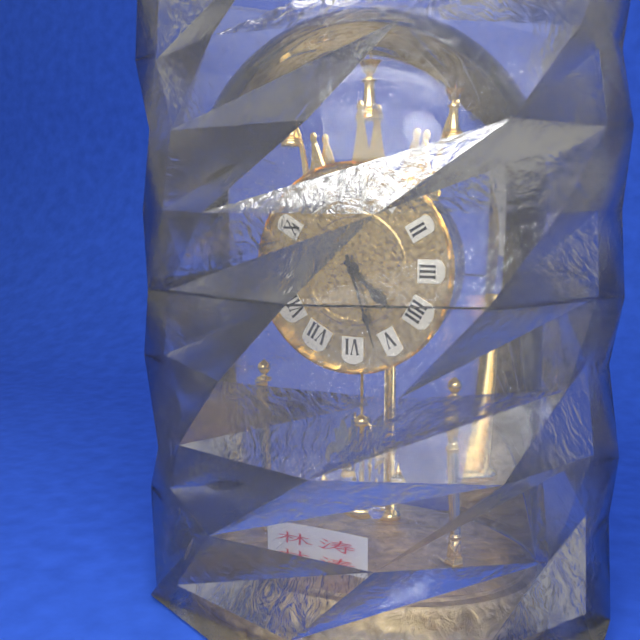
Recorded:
{"hour": 4, "minute": 27}
